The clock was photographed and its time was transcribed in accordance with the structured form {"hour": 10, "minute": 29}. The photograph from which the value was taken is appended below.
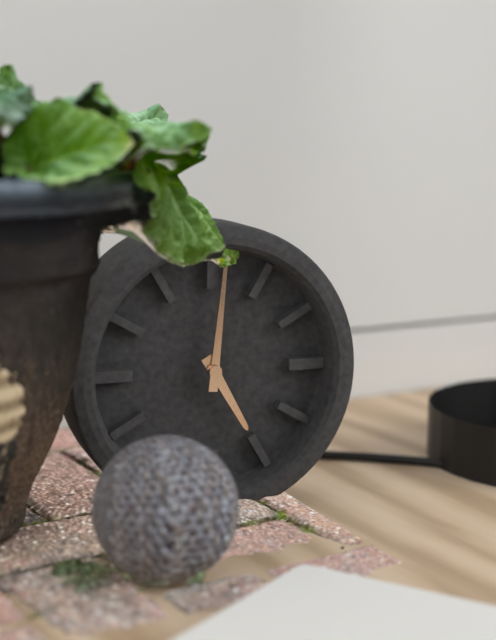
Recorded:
{"hour": 5, "minute": 1}
